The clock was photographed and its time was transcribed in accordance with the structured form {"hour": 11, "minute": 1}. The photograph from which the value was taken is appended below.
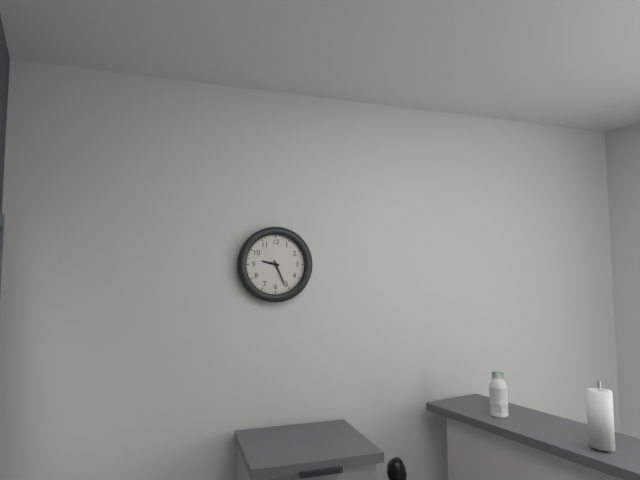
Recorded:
{"hour": 9, "minute": 26}
